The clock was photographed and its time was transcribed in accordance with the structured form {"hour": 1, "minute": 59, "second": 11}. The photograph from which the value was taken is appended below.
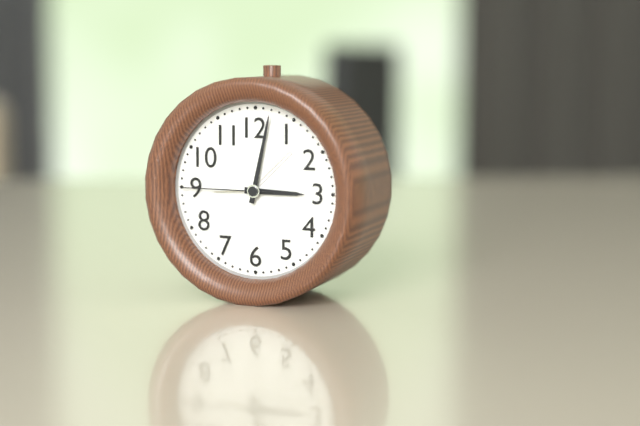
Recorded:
{"hour": 3, "minute": 2, "second": 45}
